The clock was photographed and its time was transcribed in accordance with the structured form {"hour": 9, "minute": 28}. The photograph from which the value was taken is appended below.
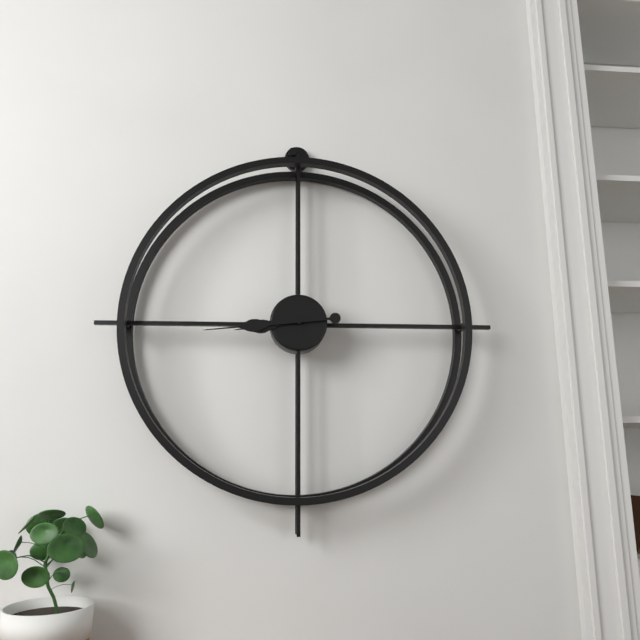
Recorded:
{"hour": 8, "minute": 44}
